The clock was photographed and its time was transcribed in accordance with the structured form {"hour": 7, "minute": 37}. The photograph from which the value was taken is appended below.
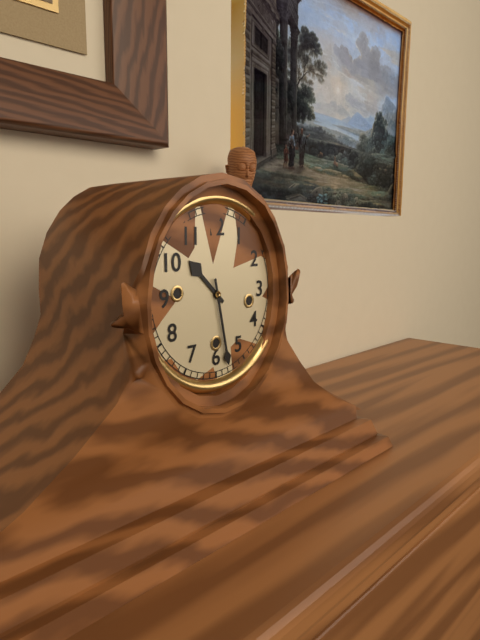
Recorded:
{"hour": 10, "minute": 28}
